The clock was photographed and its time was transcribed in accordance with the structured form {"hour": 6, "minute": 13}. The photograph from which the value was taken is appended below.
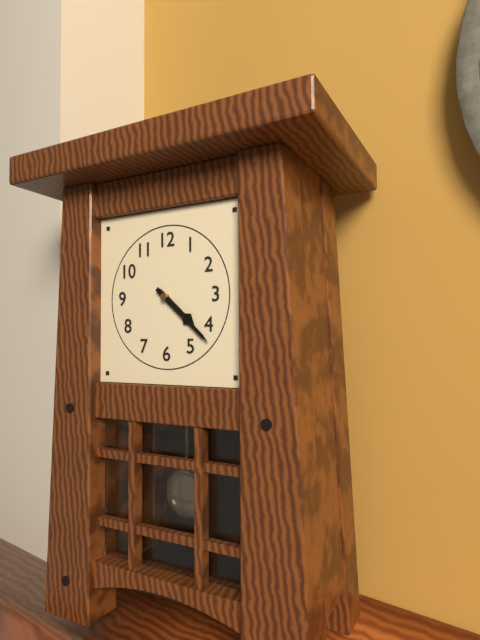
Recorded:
{"hour": 4, "minute": 22}
